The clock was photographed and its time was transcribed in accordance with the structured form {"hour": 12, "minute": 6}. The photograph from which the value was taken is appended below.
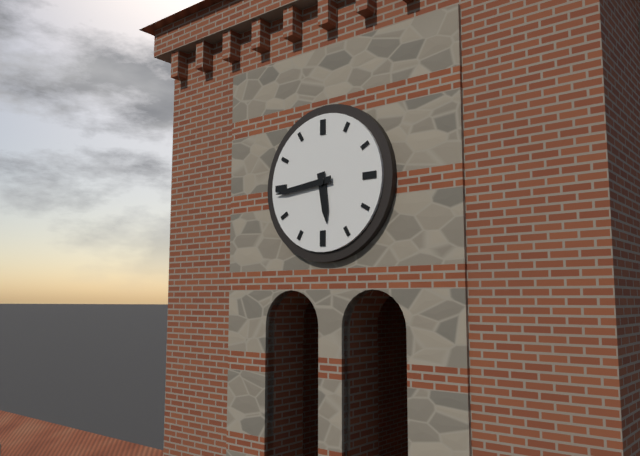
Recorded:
{"hour": 5, "minute": 44}
